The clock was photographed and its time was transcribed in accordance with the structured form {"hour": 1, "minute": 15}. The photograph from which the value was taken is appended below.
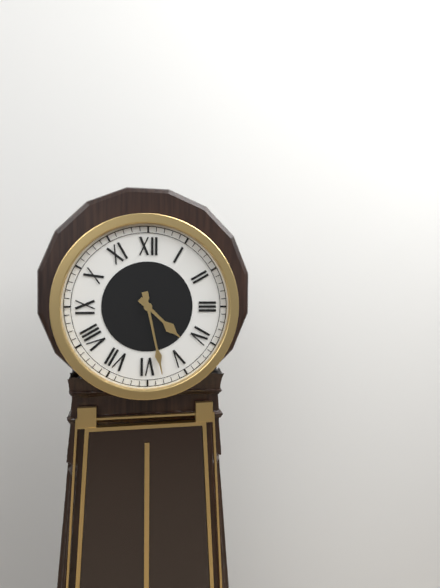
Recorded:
{"hour": 4, "minute": 28}
